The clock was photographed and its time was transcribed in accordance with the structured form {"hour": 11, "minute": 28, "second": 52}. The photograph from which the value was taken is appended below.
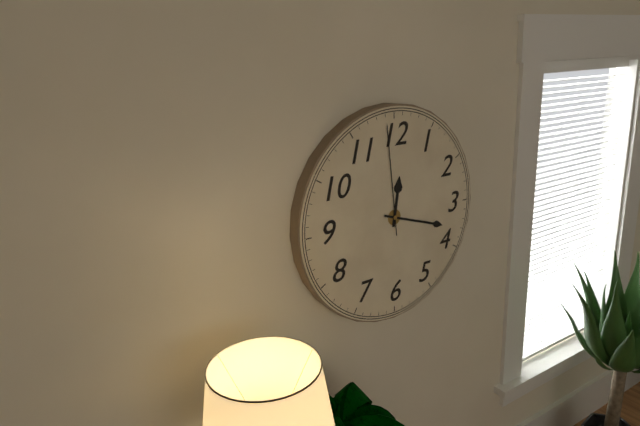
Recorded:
{"hour": 12, "minute": 18, "second": 59}
